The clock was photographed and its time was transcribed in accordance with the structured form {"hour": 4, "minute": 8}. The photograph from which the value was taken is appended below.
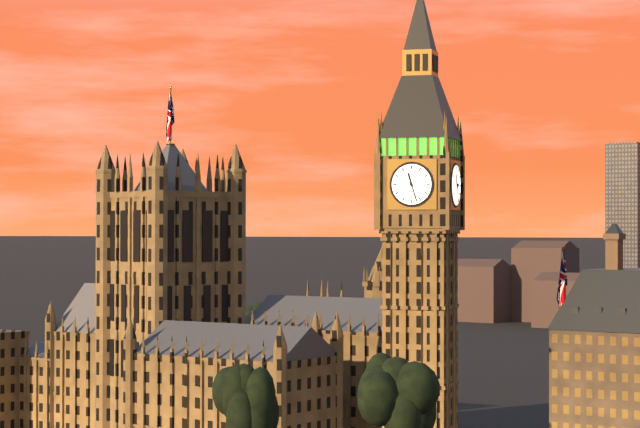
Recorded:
{"hour": 11, "minute": 27}
